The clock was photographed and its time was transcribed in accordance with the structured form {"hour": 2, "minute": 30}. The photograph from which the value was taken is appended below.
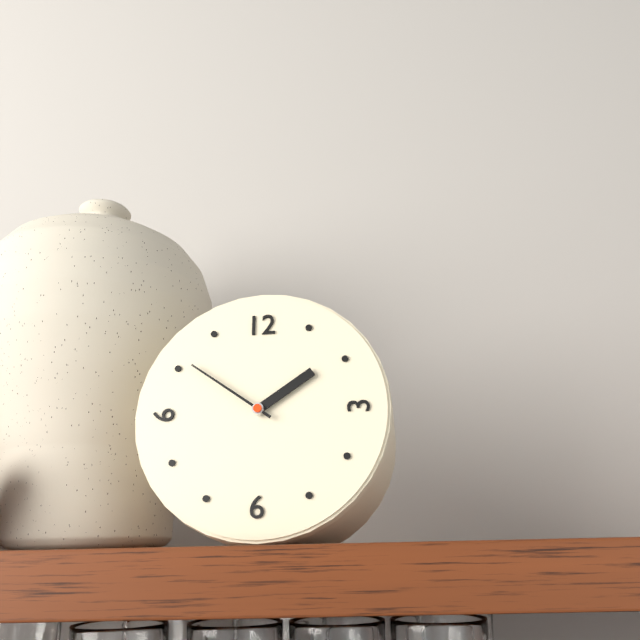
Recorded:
{"hour": 1, "minute": 51}
